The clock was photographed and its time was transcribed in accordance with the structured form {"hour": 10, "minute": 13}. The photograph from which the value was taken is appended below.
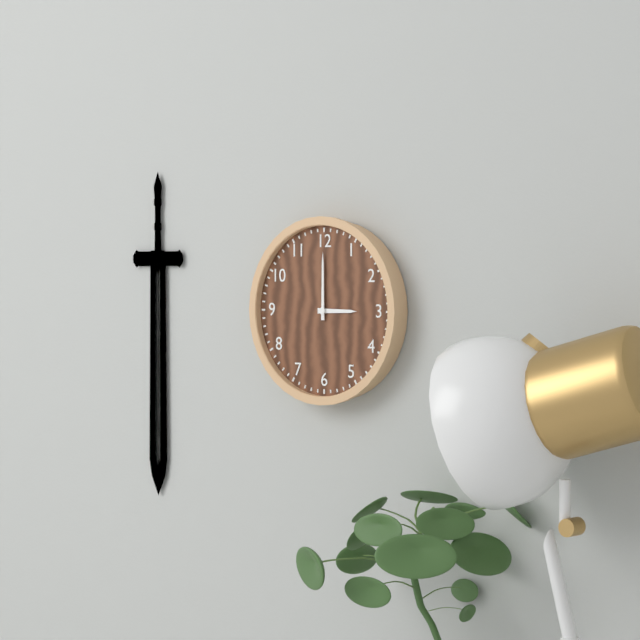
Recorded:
{"hour": 3, "minute": 0}
